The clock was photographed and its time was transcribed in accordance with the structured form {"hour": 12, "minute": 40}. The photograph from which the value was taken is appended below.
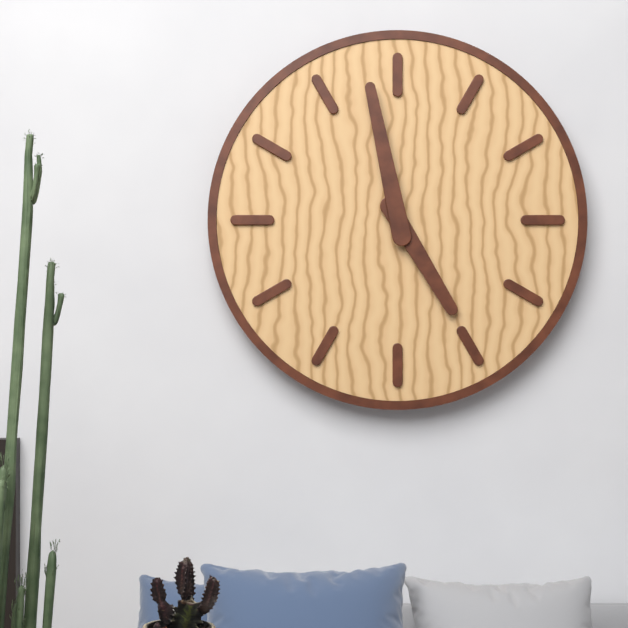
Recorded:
{"hour": 4, "minute": 58}
